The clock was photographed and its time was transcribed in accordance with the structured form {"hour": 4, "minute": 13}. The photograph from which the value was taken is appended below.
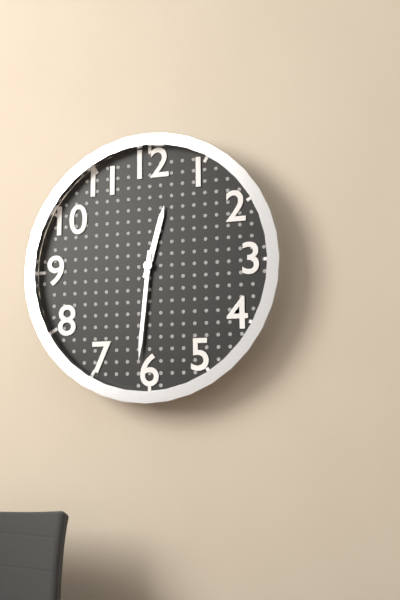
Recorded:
{"hour": 12, "minute": 31}
